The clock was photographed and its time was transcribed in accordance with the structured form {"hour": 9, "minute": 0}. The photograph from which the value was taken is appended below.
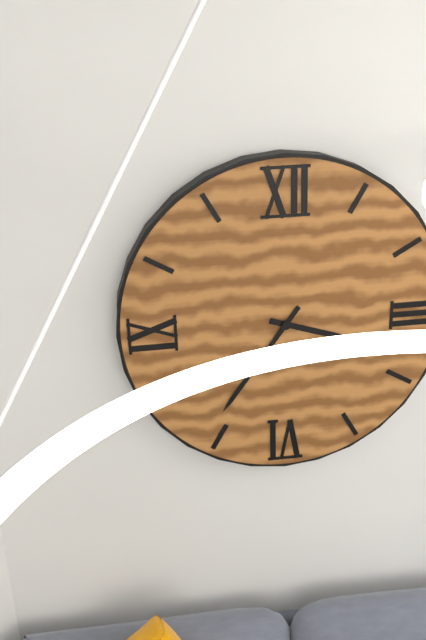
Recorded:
{"hour": 3, "minute": 36}
